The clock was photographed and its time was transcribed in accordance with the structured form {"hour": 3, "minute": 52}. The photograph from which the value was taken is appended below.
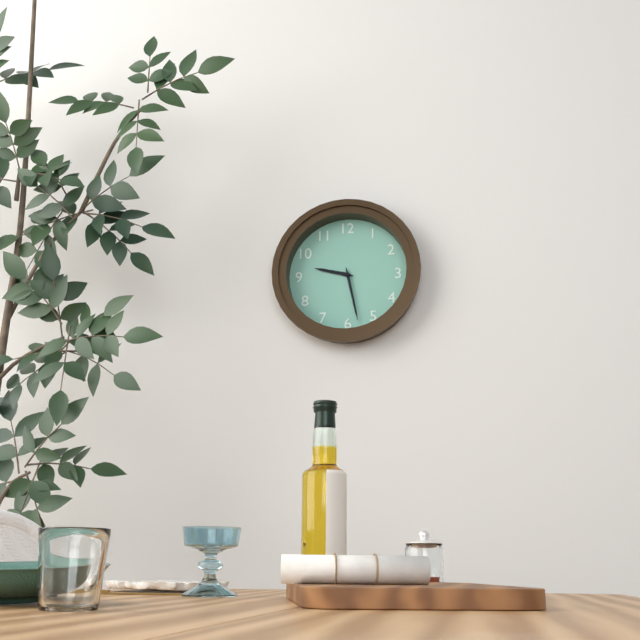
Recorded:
{"hour": 9, "minute": 28}
